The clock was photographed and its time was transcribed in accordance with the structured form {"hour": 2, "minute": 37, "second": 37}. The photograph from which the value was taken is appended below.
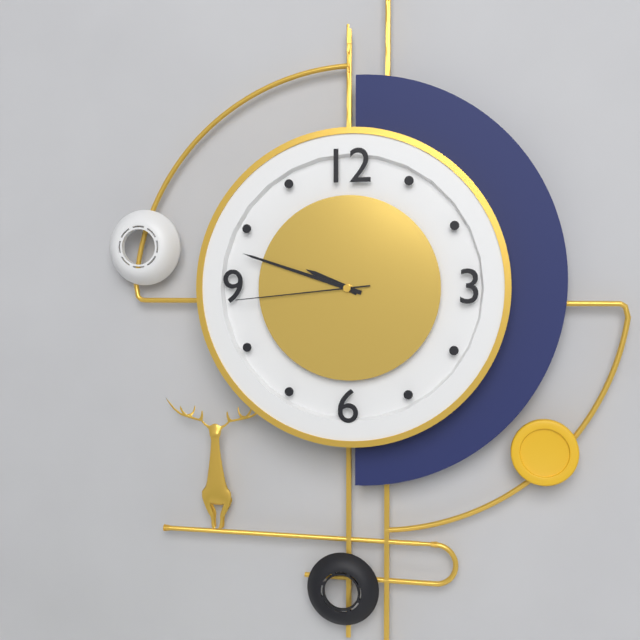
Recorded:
{"hour": 9, "minute": 48, "second": 44}
